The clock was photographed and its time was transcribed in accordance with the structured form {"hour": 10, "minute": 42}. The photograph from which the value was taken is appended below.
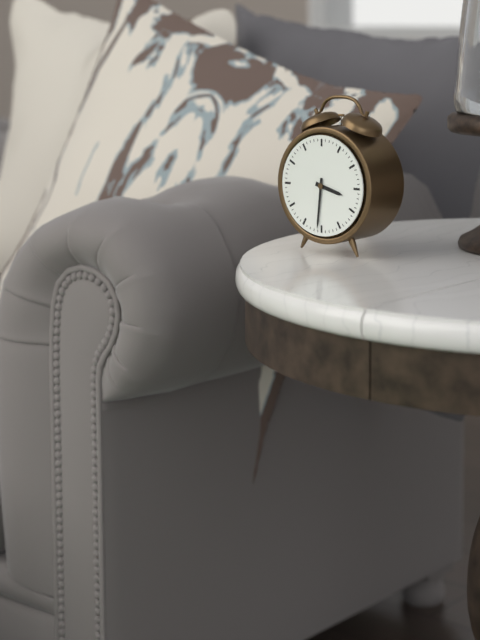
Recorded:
{"hour": 3, "minute": 31}
